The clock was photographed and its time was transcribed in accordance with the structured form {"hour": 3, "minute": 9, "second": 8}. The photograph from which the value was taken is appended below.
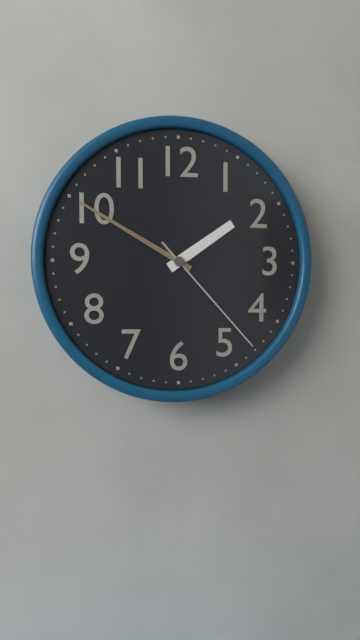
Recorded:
{"hour": 1, "minute": 50, "second": 23}
